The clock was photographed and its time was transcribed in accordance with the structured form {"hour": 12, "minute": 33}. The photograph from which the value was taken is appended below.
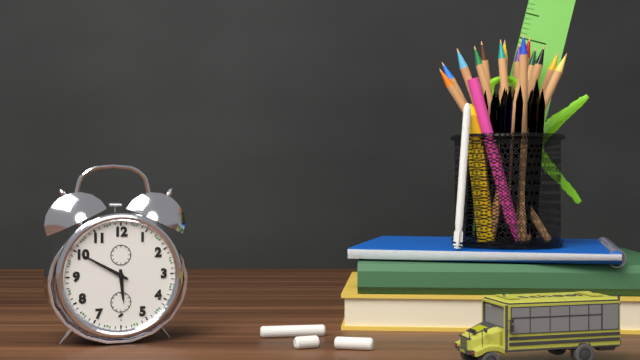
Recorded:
{"hour": 5, "minute": 50}
